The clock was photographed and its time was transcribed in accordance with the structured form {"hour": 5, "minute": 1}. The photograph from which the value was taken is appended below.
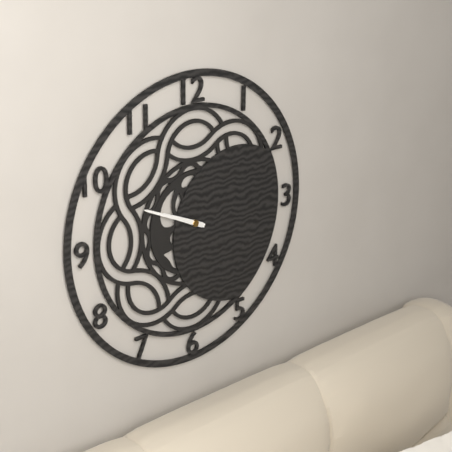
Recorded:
{"hour": 9, "minute": 49}
